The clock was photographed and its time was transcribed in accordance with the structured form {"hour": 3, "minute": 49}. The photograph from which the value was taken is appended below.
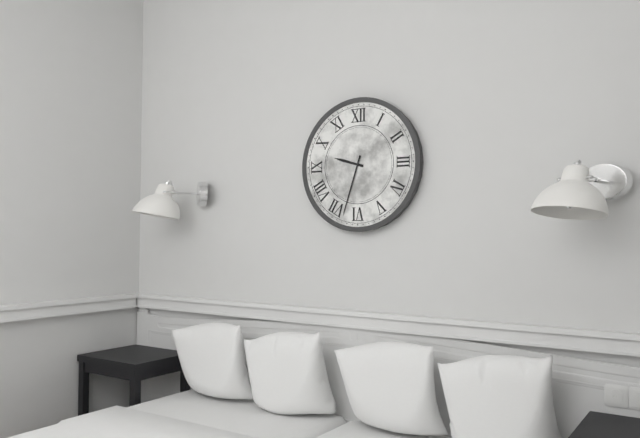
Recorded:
{"hour": 9, "minute": 33}
